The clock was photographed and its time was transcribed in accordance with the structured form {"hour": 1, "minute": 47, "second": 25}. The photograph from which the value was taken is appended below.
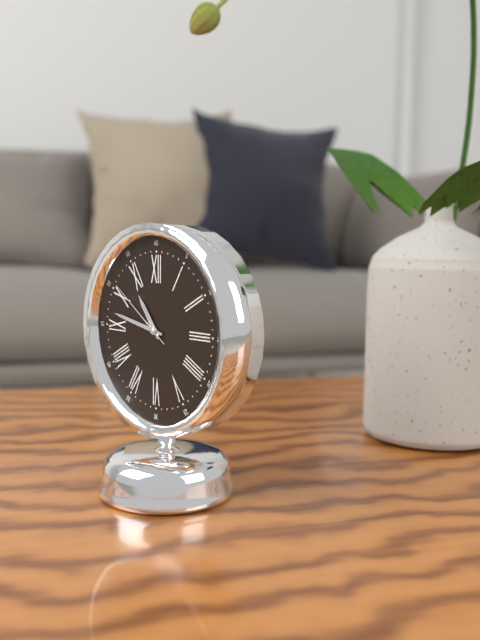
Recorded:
{"hour": 10, "minute": 47, "second": 51}
